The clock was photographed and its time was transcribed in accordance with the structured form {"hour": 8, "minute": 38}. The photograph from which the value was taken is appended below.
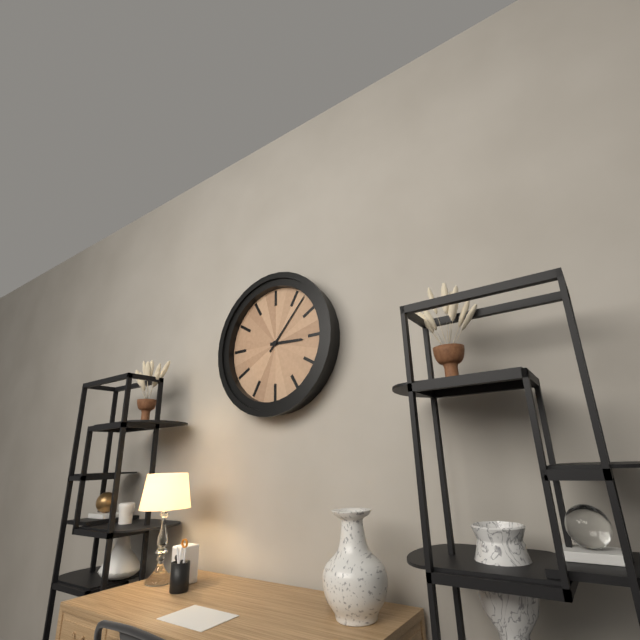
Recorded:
{"hour": 3, "minute": 7}
